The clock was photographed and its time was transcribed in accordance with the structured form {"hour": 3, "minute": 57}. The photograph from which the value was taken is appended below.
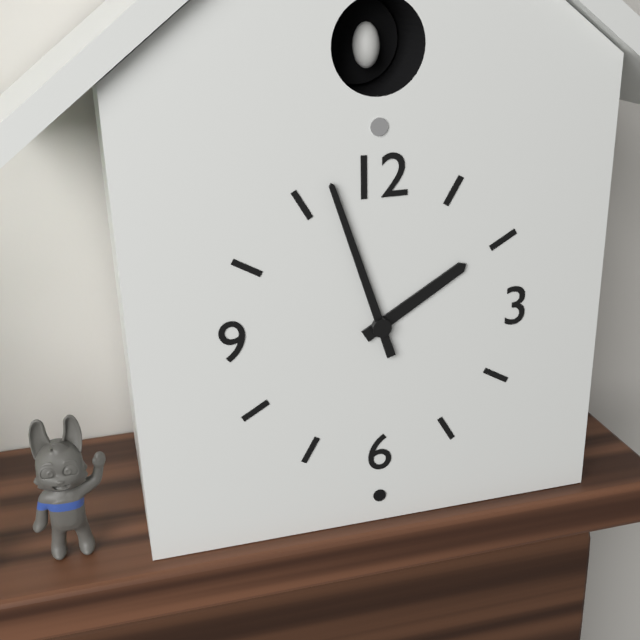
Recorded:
{"hour": 1, "minute": 57}
